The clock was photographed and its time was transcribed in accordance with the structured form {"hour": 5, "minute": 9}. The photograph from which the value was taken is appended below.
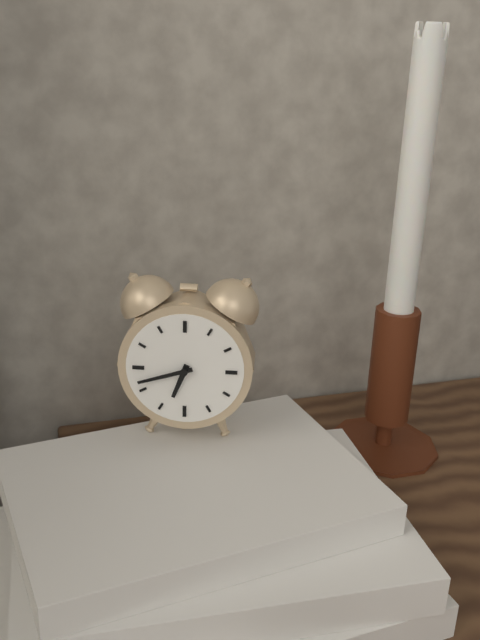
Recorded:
{"hour": 6, "minute": 42}
